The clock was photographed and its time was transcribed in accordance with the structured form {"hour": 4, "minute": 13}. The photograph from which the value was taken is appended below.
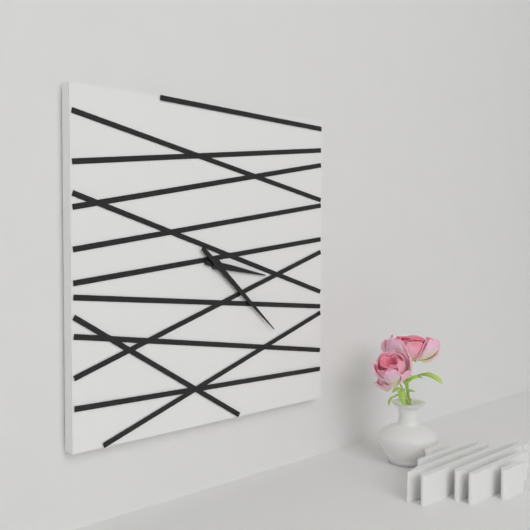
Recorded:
{"hour": 3, "minute": 22}
